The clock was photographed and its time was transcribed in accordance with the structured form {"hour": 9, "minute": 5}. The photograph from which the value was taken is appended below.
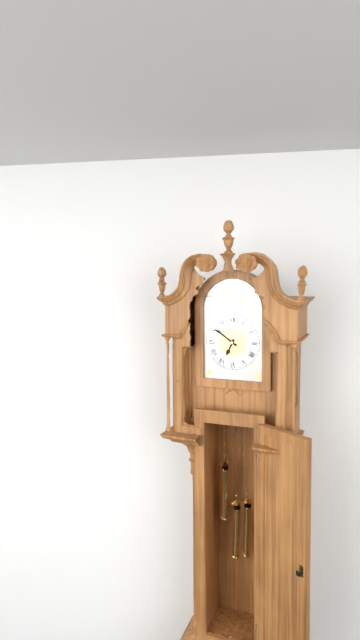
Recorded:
{"hour": 6, "minute": 51}
